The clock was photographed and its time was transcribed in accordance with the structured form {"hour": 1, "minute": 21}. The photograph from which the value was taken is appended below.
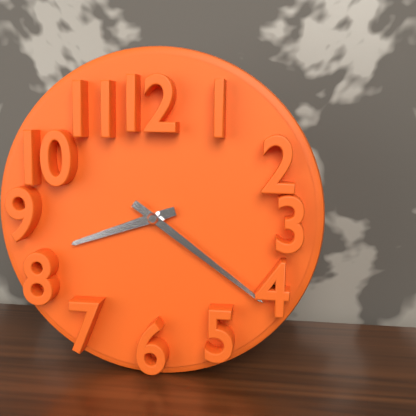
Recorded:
{"hour": 8, "minute": 21}
